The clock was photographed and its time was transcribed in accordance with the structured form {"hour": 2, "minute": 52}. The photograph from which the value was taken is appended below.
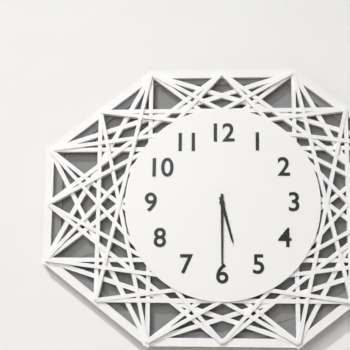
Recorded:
{"hour": 5, "minute": 30}
